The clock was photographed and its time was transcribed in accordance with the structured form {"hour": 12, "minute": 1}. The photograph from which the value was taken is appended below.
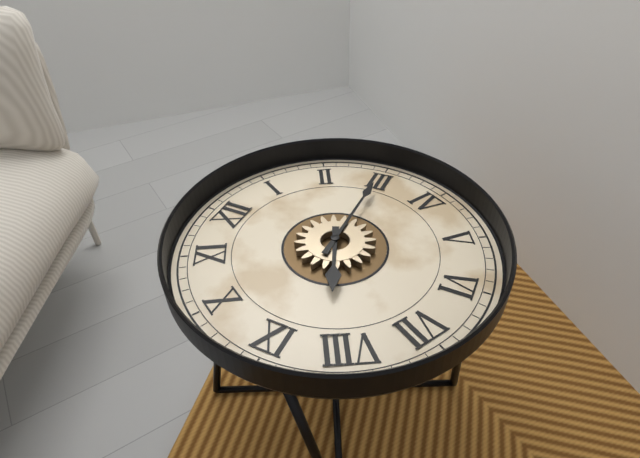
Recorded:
{"hour": 8, "minute": 15}
